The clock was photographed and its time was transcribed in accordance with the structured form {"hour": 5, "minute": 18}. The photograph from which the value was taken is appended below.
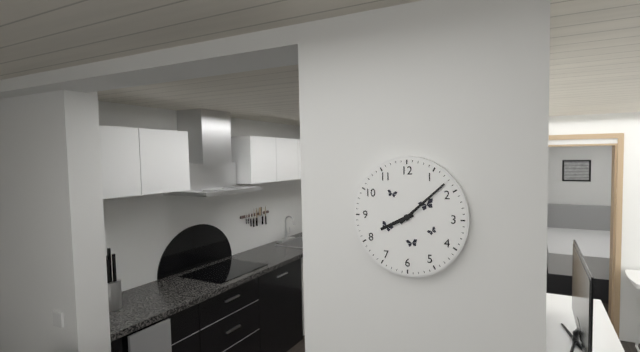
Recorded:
{"hour": 8, "minute": 8}
